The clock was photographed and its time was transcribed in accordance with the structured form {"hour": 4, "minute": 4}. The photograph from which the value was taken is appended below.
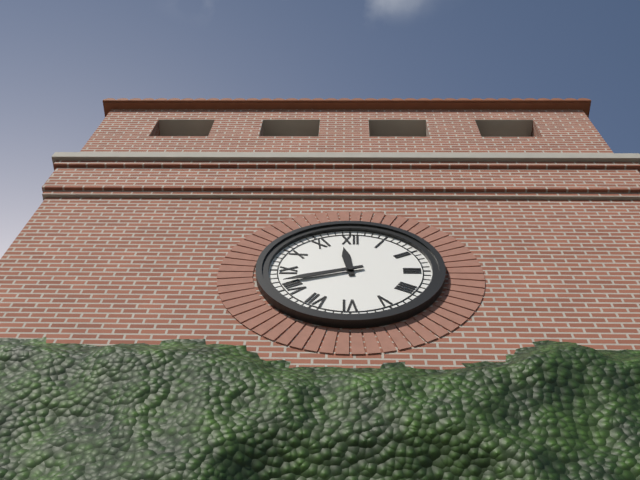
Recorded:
{"hour": 11, "minute": 42}
